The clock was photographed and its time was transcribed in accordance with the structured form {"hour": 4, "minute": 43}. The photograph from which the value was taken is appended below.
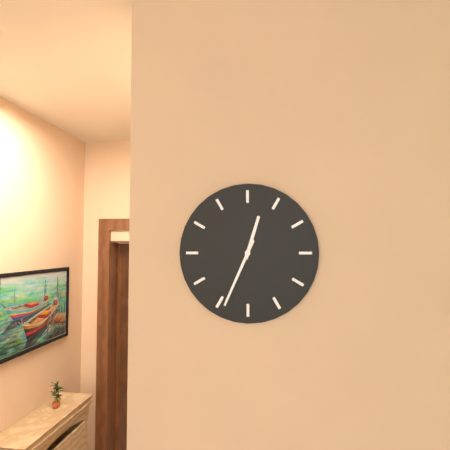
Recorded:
{"hour": 12, "minute": 34}
